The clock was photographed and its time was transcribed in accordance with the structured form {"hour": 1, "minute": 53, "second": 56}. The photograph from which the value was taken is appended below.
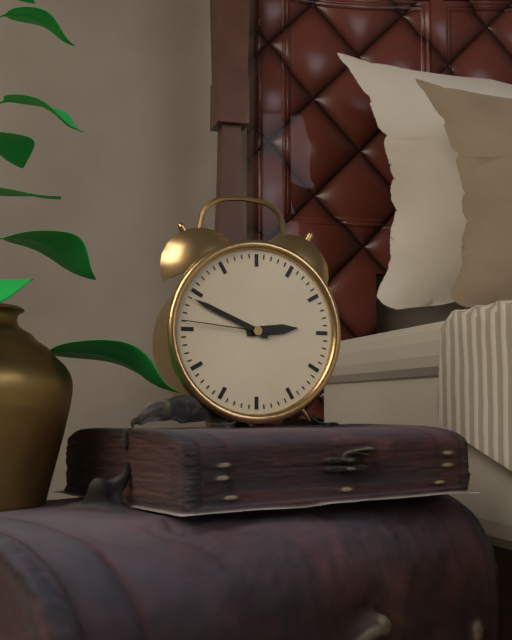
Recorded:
{"hour": 2, "minute": 49, "second": 46}
